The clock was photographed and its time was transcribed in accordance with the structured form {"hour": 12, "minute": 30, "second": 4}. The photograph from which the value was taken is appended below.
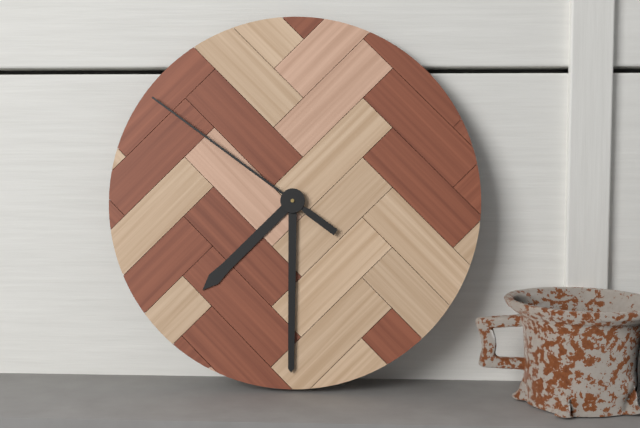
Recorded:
{"hour": 7, "minute": 30, "second": 51}
